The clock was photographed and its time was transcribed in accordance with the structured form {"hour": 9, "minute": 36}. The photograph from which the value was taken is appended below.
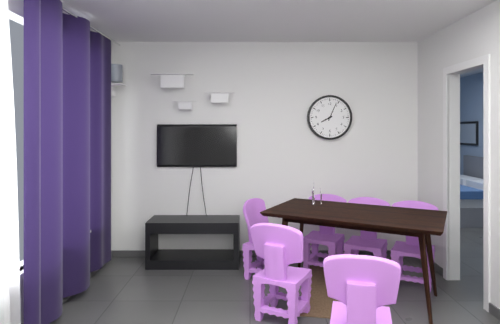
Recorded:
{"hour": 8, "minute": 4}
